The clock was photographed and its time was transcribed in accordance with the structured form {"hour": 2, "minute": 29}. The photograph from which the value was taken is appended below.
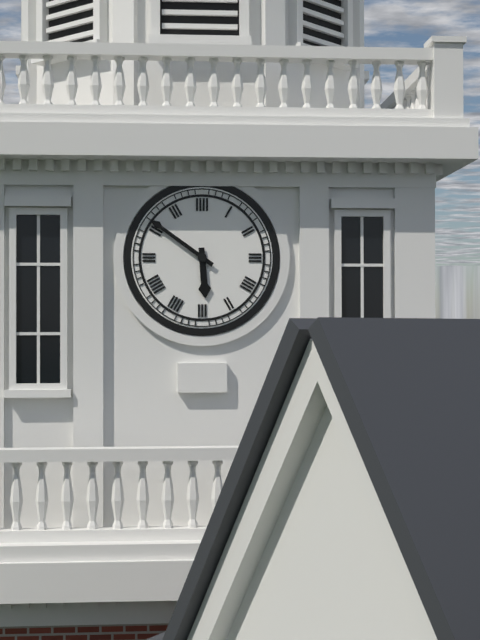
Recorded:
{"hour": 5, "minute": 51}
